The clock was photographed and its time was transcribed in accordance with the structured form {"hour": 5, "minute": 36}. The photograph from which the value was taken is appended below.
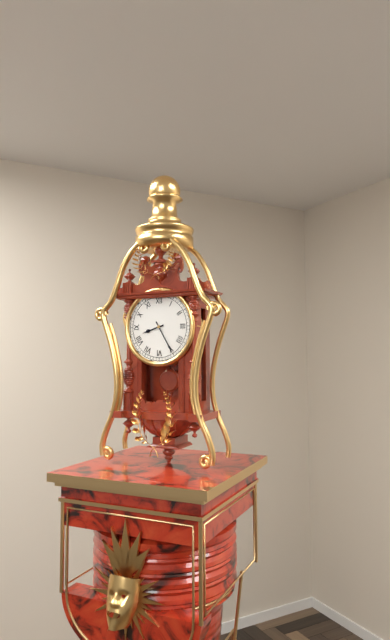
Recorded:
{"hour": 8, "minute": 25}
